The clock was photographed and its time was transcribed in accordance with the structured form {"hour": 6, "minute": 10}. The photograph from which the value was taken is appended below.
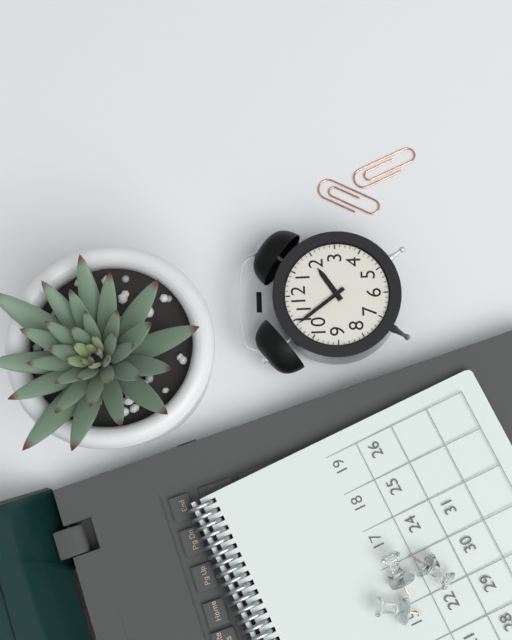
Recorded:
{"hour": 1, "minute": 54}
